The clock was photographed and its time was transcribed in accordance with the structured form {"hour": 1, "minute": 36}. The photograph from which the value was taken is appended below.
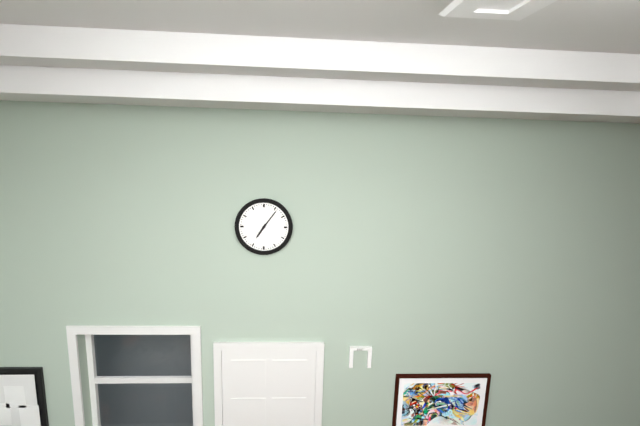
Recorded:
{"hour": 7, "minute": 6}
